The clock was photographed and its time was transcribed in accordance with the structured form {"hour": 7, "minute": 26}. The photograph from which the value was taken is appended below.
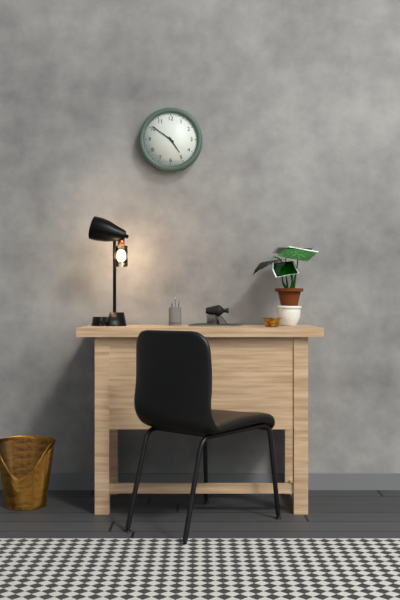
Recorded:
{"hour": 4, "minute": 51}
